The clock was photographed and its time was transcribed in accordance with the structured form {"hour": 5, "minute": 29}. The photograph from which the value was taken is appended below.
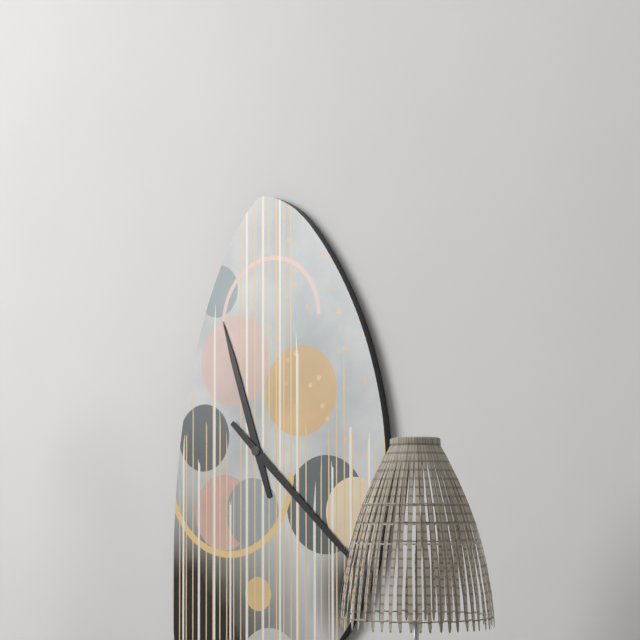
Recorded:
{"hour": 11, "minute": 22}
